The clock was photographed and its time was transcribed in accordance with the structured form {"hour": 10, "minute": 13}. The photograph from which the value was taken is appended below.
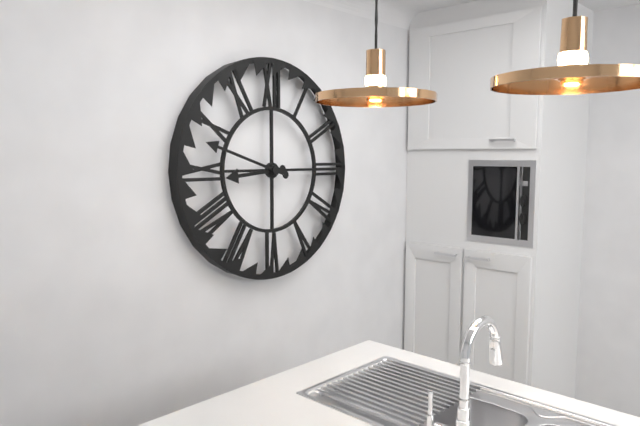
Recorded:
{"hour": 8, "minute": 48}
